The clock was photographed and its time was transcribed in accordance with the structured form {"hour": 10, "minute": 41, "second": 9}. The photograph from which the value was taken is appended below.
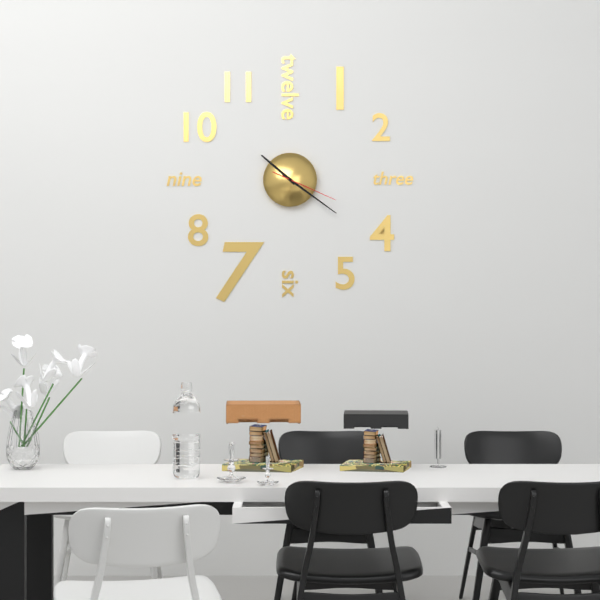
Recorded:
{"hour": 10, "minute": 21, "second": 19}
